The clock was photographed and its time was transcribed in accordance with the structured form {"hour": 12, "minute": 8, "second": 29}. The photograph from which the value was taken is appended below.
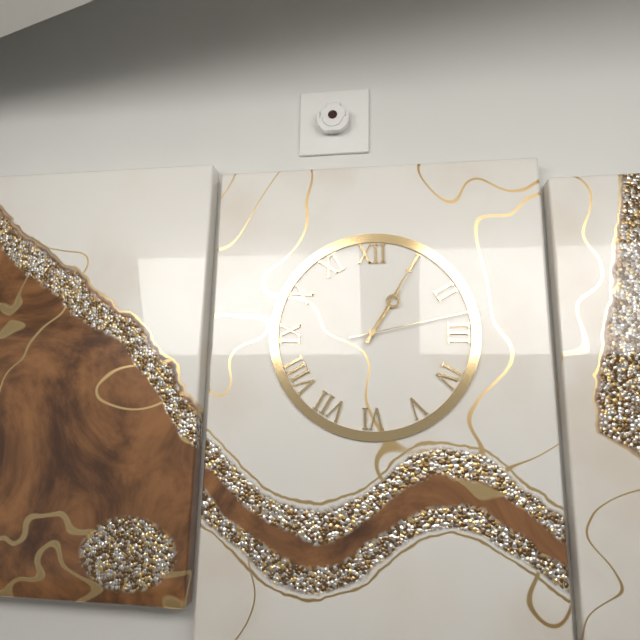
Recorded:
{"hour": 1, "minute": 5, "second": 13}
